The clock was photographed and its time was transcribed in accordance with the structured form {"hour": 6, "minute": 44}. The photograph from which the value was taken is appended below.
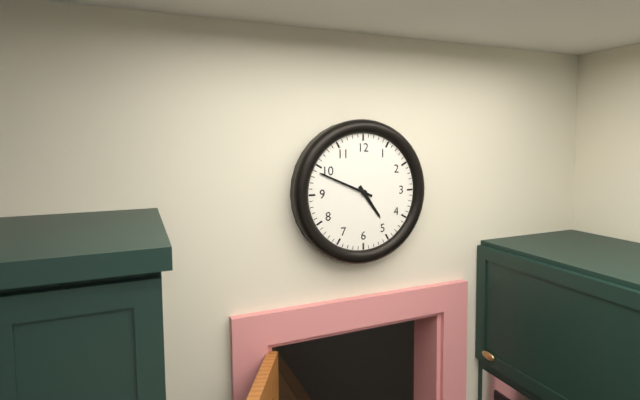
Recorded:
{"hour": 4, "minute": 49}
